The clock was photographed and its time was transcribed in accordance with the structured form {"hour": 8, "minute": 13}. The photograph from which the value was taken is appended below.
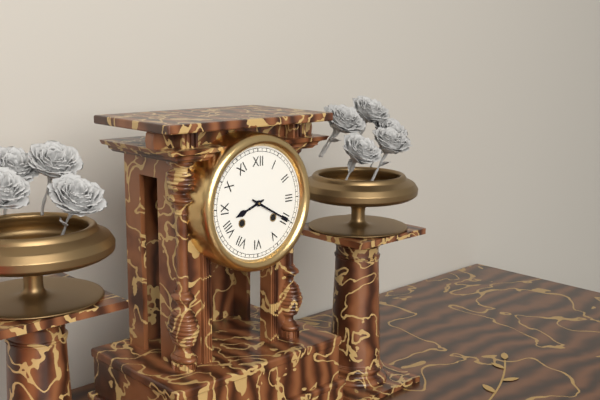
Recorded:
{"hour": 8, "minute": 20}
